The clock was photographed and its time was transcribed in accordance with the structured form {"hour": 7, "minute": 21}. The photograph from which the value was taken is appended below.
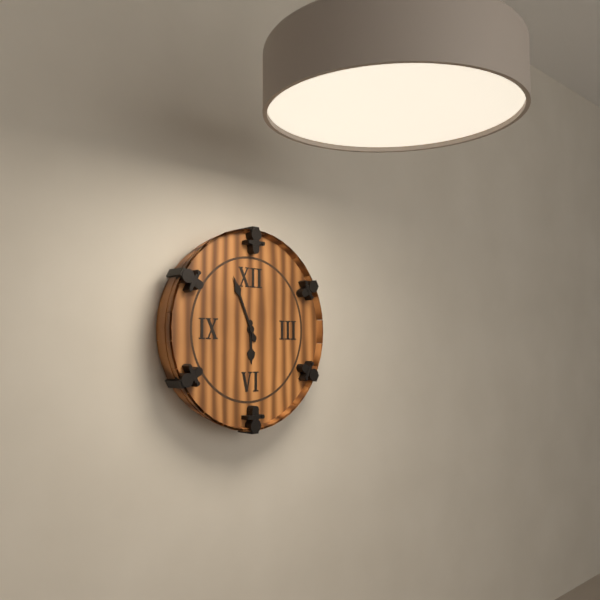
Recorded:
{"hour": 5, "minute": 56}
